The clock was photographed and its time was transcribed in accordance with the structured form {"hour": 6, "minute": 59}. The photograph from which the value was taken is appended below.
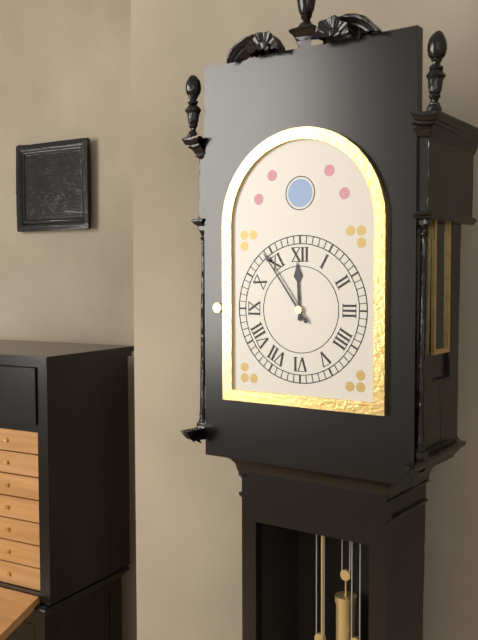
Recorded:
{"hour": 11, "minute": 54}
